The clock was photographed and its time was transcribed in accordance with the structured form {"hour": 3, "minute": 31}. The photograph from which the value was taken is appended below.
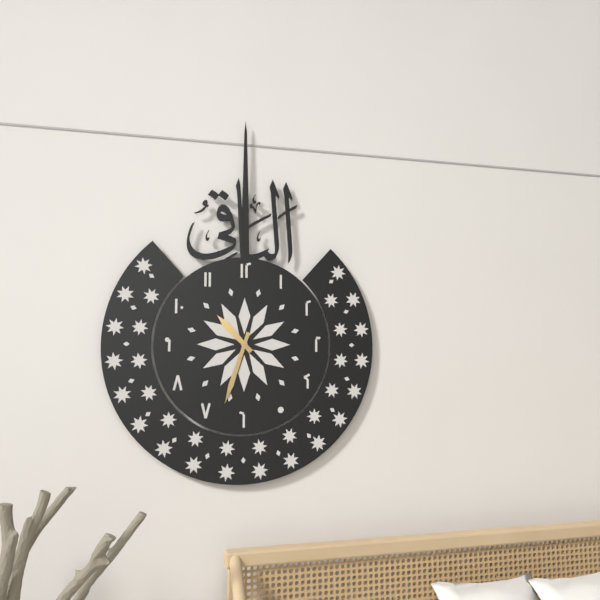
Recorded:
{"hour": 10, "minute": 33}
